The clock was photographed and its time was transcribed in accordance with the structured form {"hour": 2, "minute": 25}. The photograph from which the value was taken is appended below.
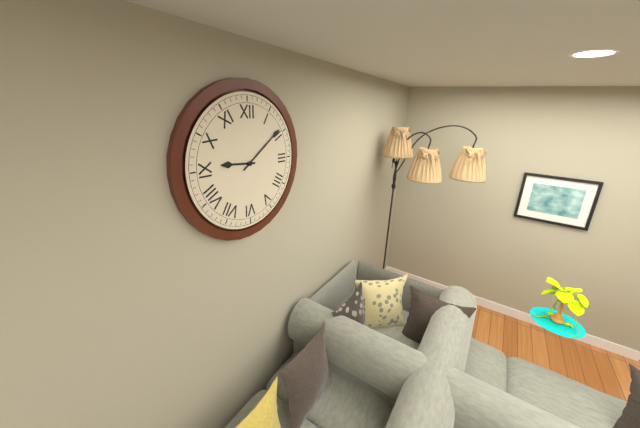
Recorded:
{"hour": 9, "minute": 9}
